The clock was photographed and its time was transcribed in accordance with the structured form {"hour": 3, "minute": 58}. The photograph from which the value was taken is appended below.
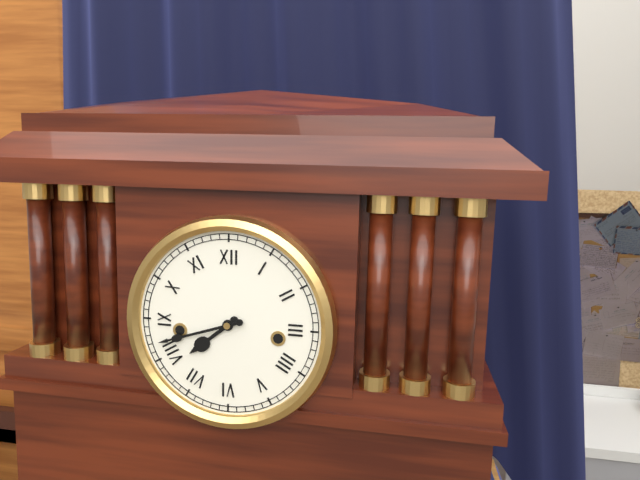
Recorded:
{"hour": 7, "minute": 42}
